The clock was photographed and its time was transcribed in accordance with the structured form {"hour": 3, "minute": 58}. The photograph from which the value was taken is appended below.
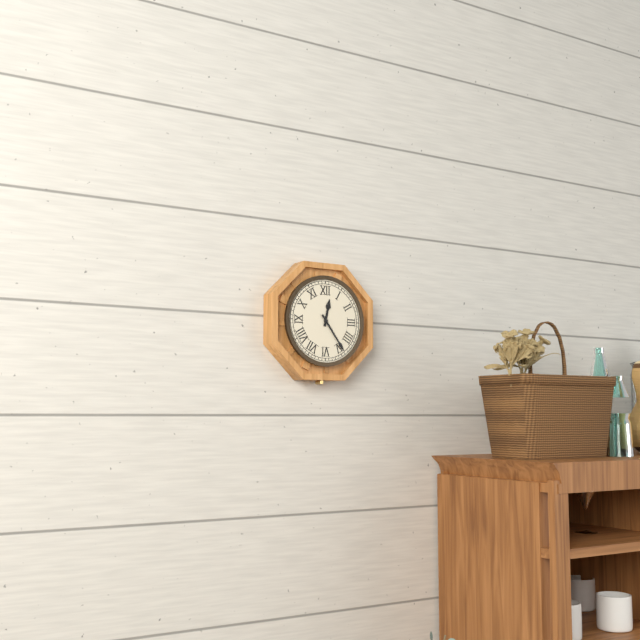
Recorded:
{"hour": 12, "minute": 24}
